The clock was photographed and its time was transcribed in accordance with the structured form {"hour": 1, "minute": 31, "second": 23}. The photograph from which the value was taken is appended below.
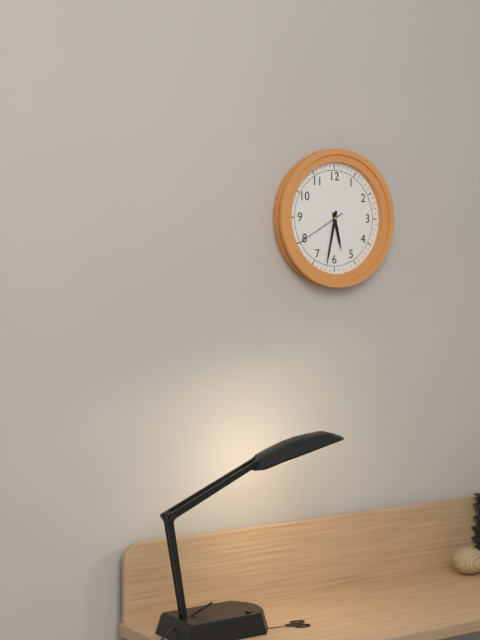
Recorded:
{"hour": 5, "minute": 32, "second": 40}
